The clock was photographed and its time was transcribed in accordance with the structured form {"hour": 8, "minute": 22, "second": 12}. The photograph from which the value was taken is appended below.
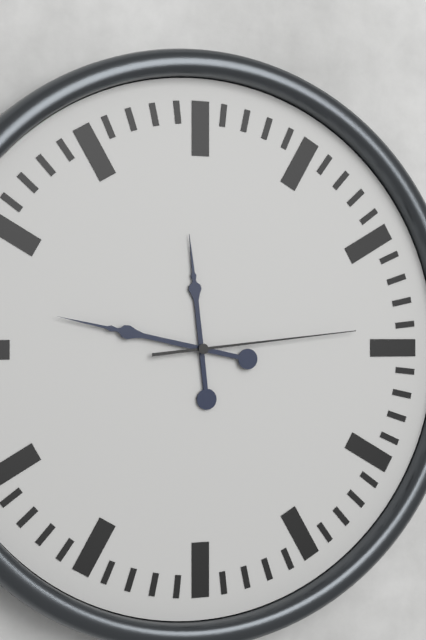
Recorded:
{"hour": 11, "minute": 47, "second": 14}
